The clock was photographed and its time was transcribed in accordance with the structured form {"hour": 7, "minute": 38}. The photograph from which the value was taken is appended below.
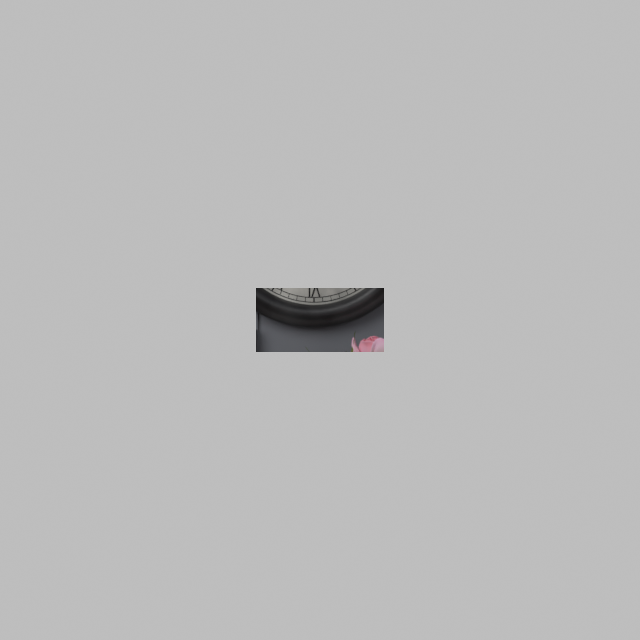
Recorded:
{"hour": 7, "minute": 19}
